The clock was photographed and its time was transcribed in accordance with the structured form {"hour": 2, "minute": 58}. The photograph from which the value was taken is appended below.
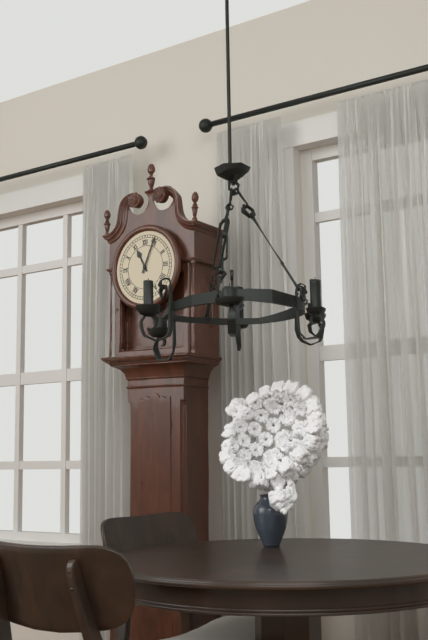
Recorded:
{"hour": 11, "minute": 4}
